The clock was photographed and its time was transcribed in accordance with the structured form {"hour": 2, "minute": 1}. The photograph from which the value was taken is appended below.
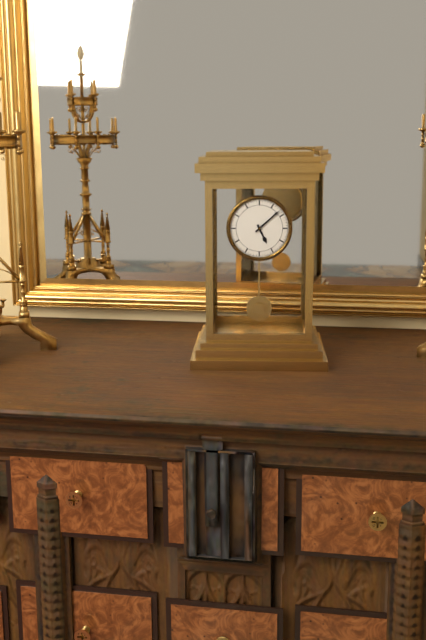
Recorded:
{"hour": 5, "minute": 8}
